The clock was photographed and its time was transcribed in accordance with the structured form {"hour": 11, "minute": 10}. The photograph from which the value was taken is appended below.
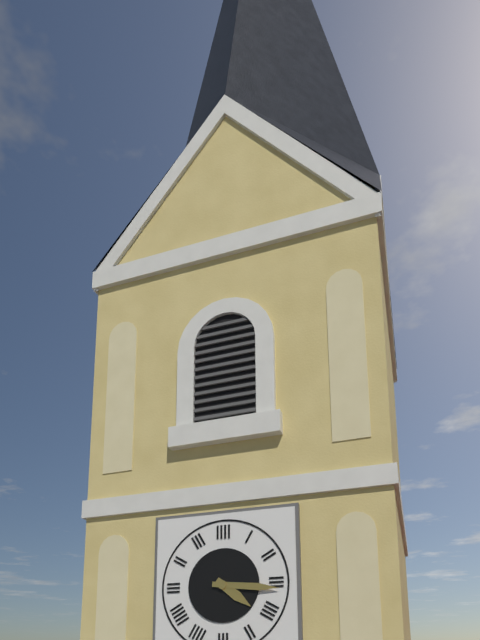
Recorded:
{"hour": 4, "minute": 16}
